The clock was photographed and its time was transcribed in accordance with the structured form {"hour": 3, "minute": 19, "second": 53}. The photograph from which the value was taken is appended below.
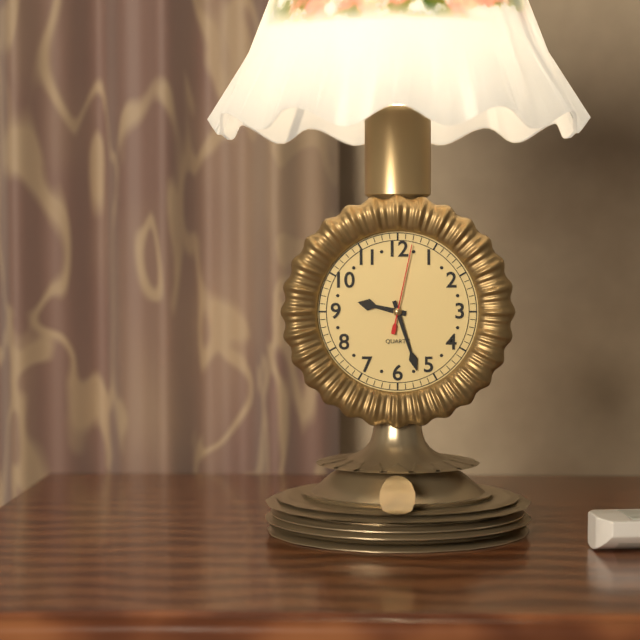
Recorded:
{"hour": 9, "minute": 27, "second": 2}
